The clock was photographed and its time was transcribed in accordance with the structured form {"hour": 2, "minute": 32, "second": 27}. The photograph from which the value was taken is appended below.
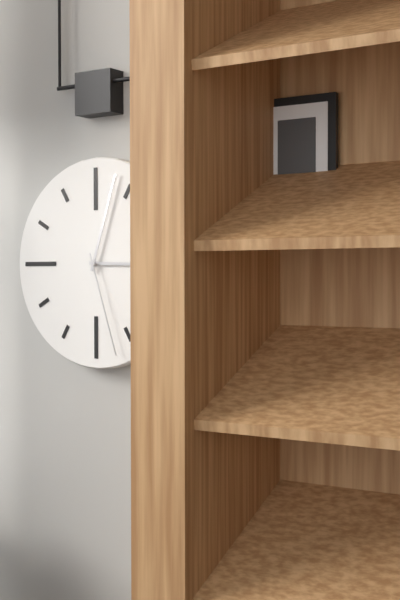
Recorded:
{"hour": 3, "minute": 3, "second": 27}
